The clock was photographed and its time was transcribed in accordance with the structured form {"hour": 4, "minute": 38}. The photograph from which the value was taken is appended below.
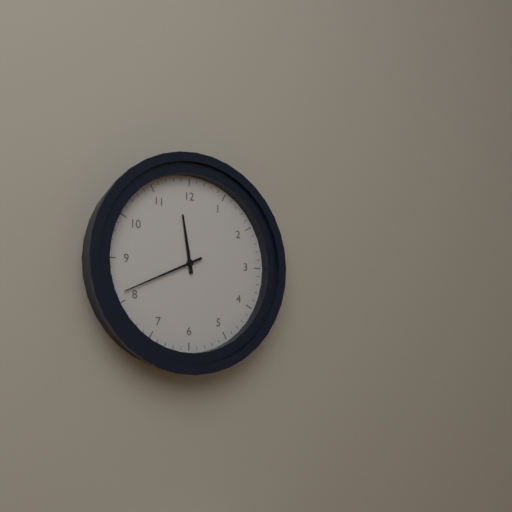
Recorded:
{"hour": 11, "minute": 41}
